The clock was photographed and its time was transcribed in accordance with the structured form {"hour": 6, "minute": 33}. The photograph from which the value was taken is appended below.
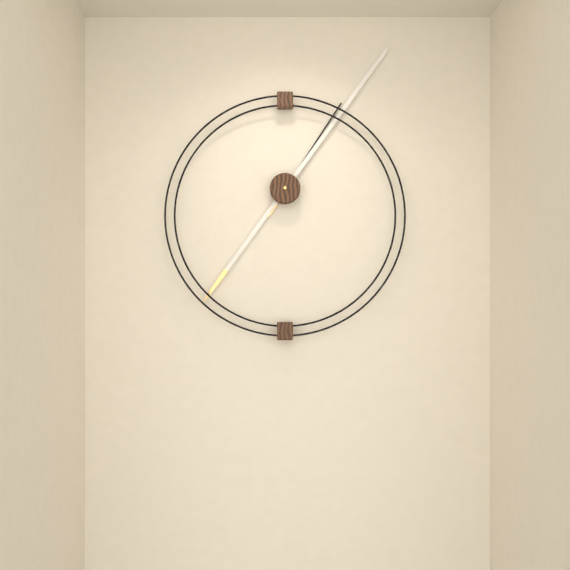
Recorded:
{"hour": 1, "minute": 6}
